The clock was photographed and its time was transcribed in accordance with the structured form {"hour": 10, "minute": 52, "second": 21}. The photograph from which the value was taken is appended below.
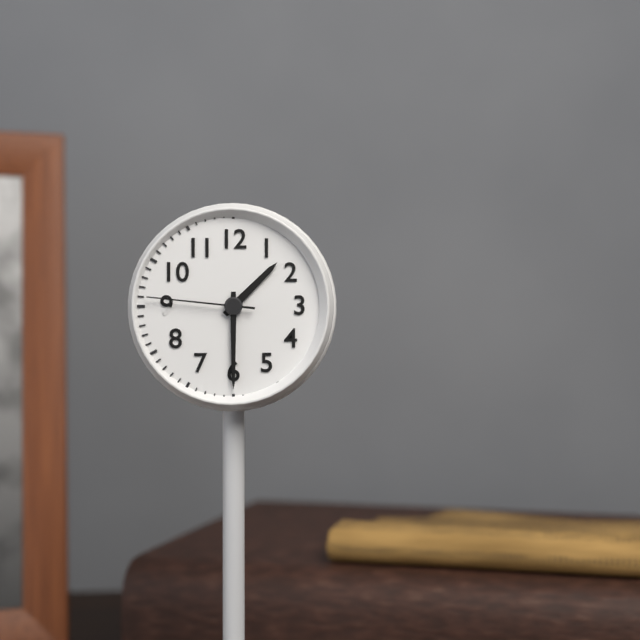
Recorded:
{"hour": 1, "minute": 30, "second": 46}
